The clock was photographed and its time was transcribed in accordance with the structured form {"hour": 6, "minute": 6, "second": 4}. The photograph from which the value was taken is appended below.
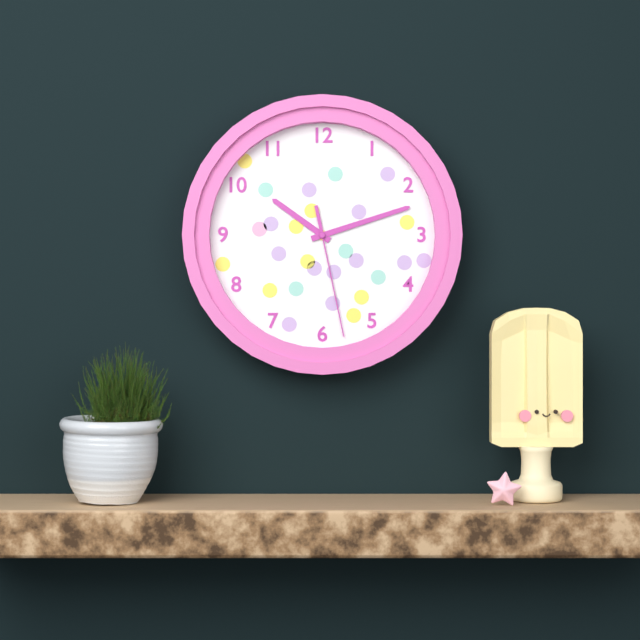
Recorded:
{"hour": 10, "minute": 12, "second": 28}
